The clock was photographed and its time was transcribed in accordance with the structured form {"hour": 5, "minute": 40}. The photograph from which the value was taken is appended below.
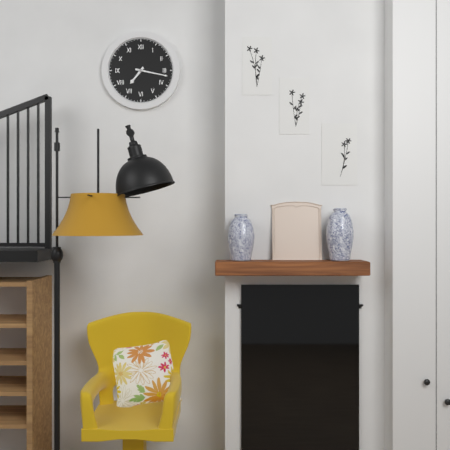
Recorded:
{"hour": 7, "minute": 17}
